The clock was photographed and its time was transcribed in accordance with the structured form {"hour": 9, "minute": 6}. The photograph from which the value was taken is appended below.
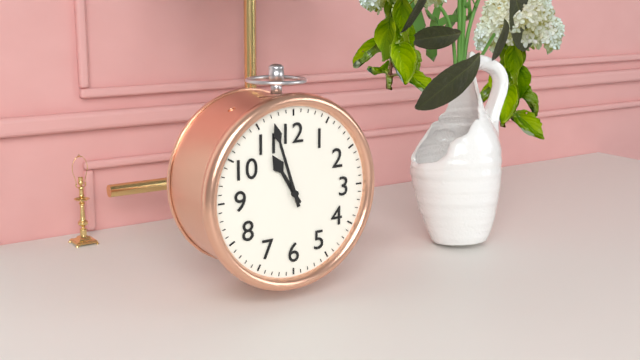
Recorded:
{"hour": 10, "minute": 57}
